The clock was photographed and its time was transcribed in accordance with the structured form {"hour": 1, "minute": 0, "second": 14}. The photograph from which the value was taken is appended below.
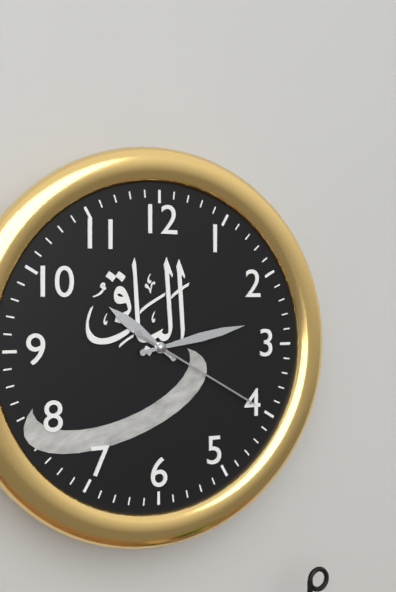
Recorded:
{"hour": 10, "minute": 13, "second": 20}
